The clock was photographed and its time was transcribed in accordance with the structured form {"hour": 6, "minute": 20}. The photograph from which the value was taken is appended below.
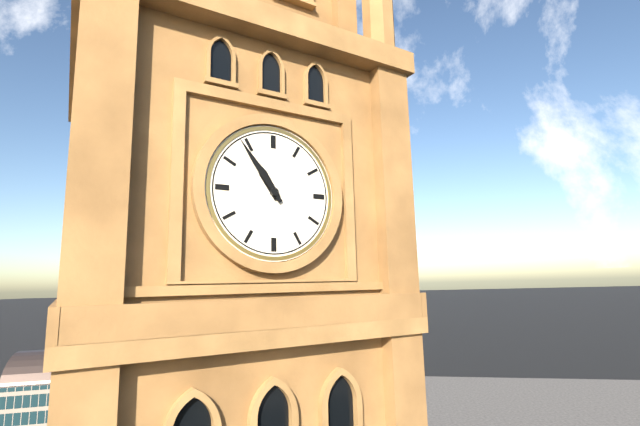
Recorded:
{"hour": 10, "minute": 54}
